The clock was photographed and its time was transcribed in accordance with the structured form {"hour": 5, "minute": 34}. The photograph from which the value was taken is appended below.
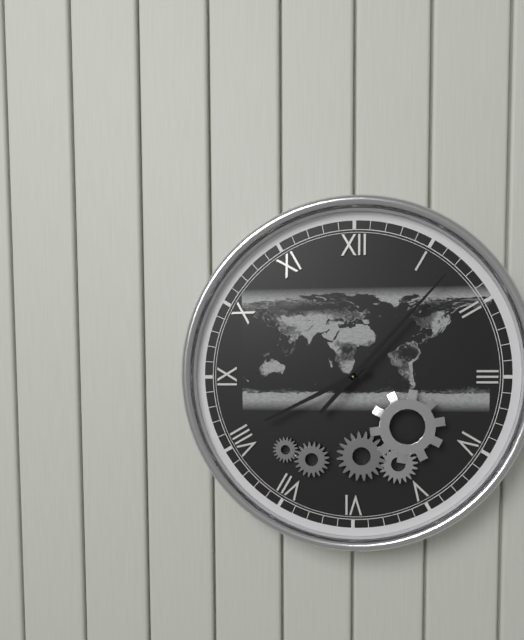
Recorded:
{"hour": 8, "minute": 7}
